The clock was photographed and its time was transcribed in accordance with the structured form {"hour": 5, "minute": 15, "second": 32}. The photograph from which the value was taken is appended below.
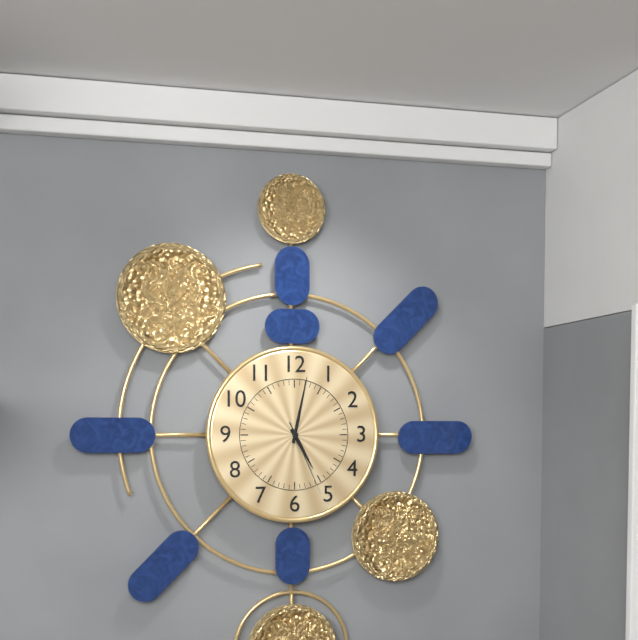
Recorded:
{"hour": 5, "minute": 2, "second": 26}
